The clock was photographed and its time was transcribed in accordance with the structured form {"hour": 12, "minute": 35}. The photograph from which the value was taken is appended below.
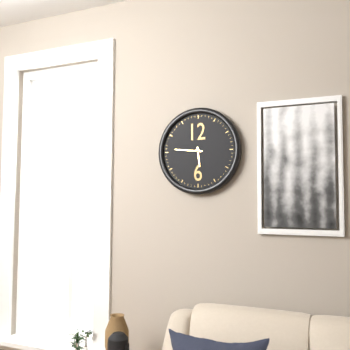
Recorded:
{"hour": 5, "minute": 46}
